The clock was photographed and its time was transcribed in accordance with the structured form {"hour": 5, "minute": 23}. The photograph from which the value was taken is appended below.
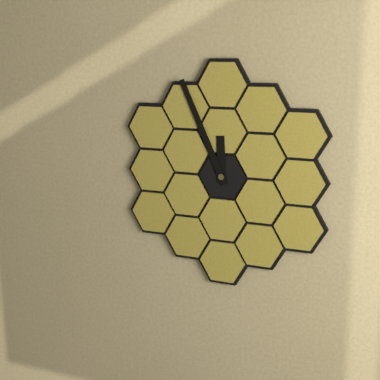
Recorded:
{"hour": 11, "minute": 56}
